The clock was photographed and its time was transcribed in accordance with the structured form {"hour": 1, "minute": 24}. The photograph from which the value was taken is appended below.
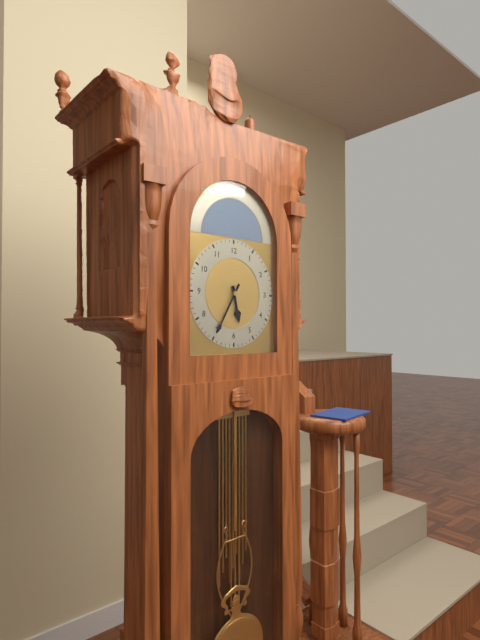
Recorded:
{"hour": 5, "minute": 35}
